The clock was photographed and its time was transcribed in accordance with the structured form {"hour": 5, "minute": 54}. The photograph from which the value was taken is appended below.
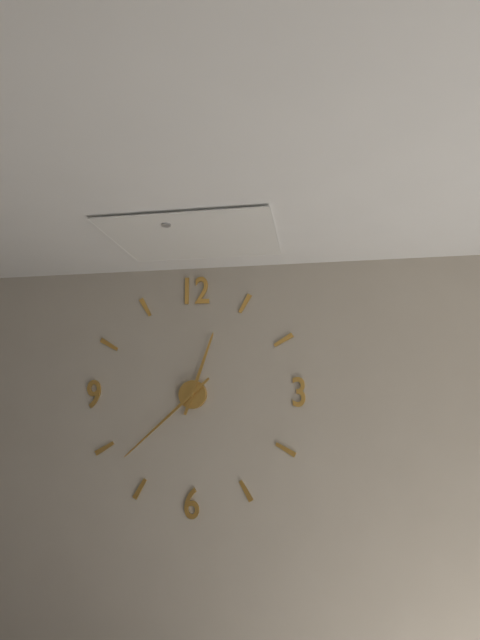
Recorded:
{"hour": 12, "minute": 38}
